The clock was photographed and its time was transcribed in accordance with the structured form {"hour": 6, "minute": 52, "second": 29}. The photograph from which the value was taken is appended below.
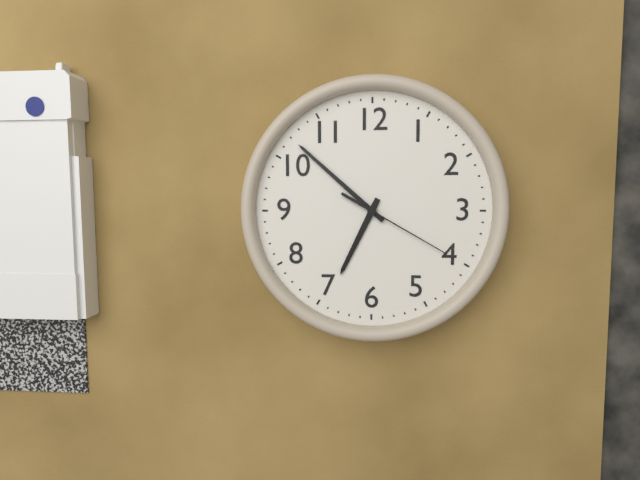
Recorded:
{"hour": 6, "minute": 52, "second": 20}
